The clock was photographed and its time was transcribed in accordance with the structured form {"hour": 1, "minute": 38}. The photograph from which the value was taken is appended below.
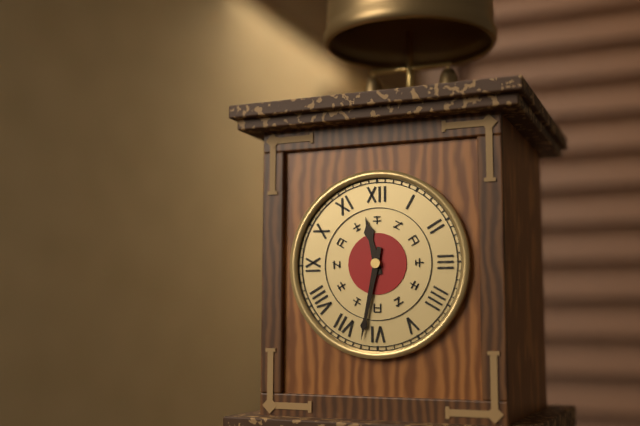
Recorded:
{"hour": 11, "minute": 32}
